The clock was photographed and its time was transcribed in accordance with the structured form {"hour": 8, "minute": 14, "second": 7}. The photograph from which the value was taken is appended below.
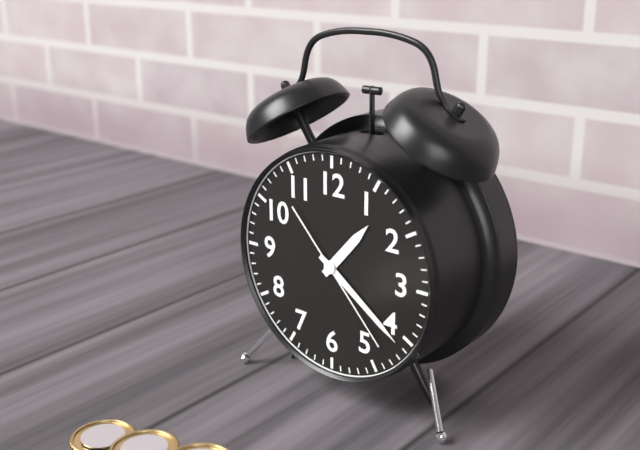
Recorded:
{"hour": 1, "minute": 21, "second": 23}
